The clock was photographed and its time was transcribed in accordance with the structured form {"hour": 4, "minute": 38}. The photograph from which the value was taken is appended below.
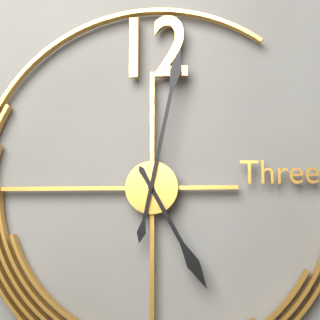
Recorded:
{"hour": 5, "minute": 2}
